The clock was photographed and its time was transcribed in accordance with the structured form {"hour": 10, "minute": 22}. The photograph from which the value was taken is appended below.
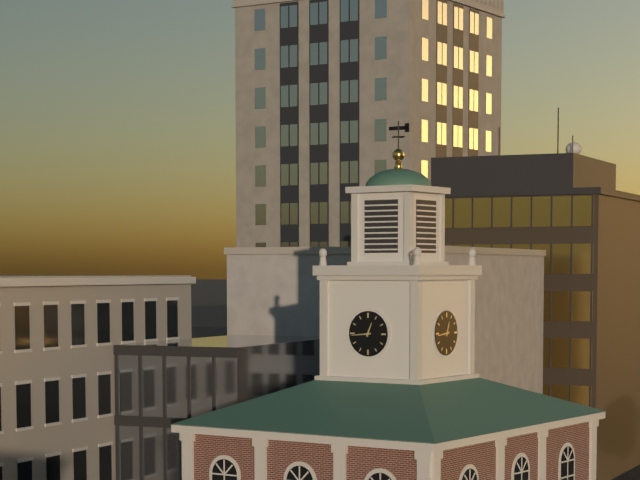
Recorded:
{"hour": 12, "minute": 44}
